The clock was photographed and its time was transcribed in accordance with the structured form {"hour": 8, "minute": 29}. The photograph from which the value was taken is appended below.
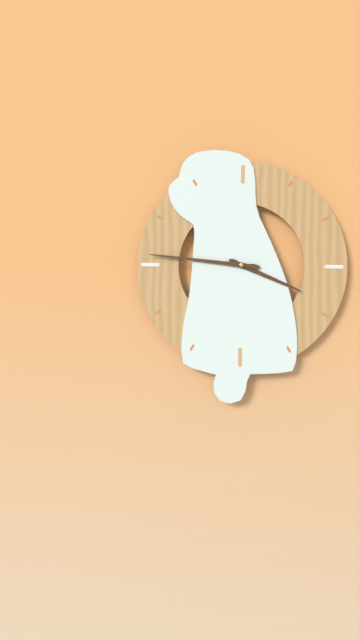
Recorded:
{"hour": 3, "minute": 46}
